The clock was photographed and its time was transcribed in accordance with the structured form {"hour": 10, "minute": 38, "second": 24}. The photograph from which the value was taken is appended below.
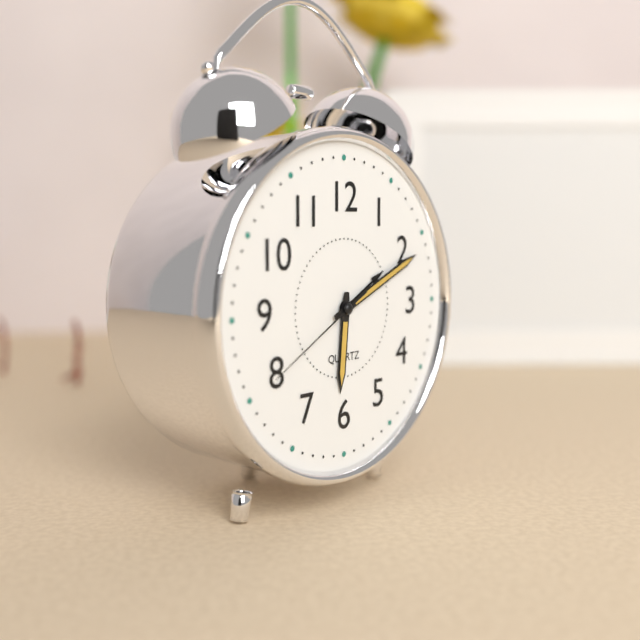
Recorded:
{"hour": 6, "minute": 11, "second": 40}
